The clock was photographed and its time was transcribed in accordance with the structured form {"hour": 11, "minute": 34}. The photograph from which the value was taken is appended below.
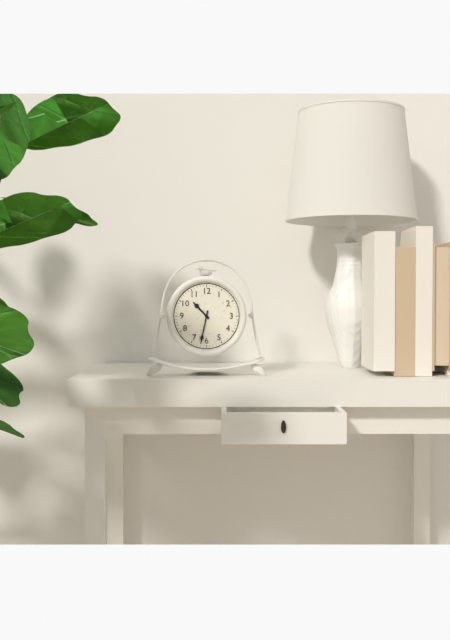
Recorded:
{"hour": 10, "minute": 32}
